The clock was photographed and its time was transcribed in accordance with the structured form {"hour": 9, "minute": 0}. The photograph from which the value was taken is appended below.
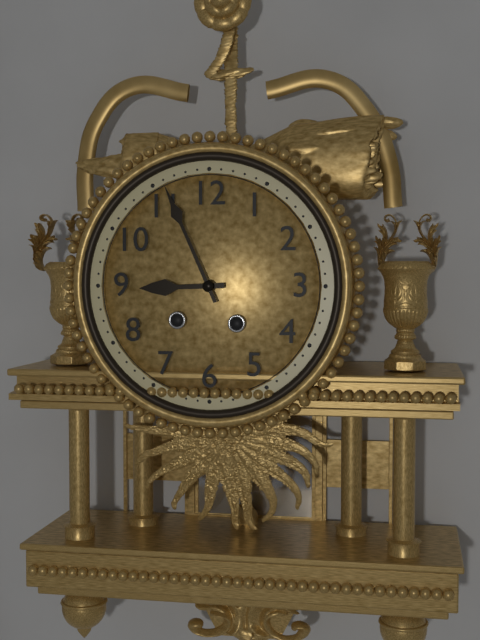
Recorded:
{"hour": 8, "minute": 56}
